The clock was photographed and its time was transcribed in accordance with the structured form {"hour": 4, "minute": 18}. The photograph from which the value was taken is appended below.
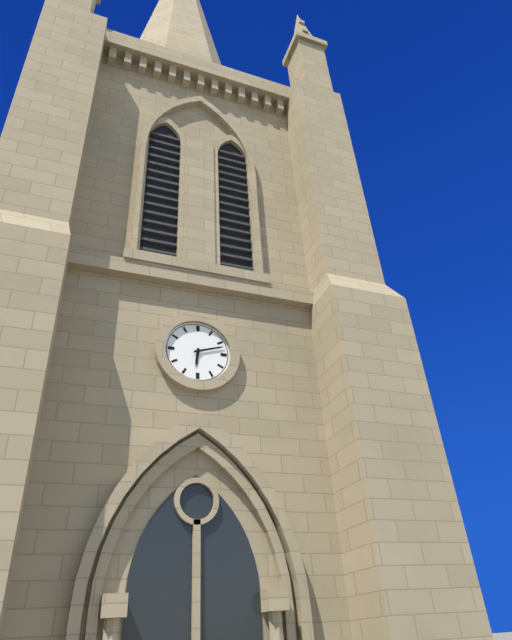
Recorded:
{"hour": 6, "minute": 12}
